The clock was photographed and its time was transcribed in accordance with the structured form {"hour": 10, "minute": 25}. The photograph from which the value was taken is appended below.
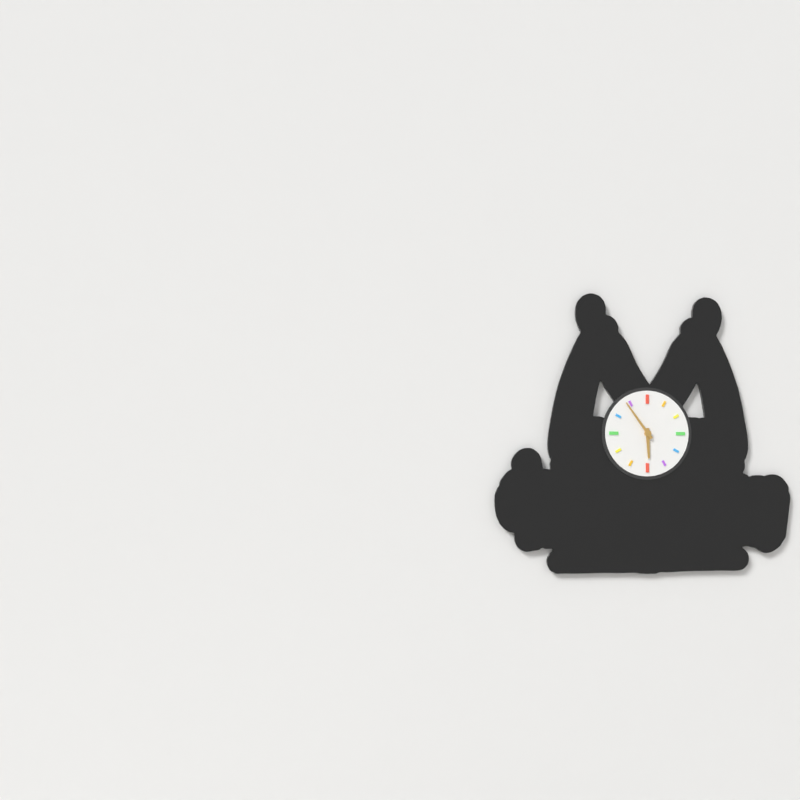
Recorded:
{"hour": 5, "minute": 54}
